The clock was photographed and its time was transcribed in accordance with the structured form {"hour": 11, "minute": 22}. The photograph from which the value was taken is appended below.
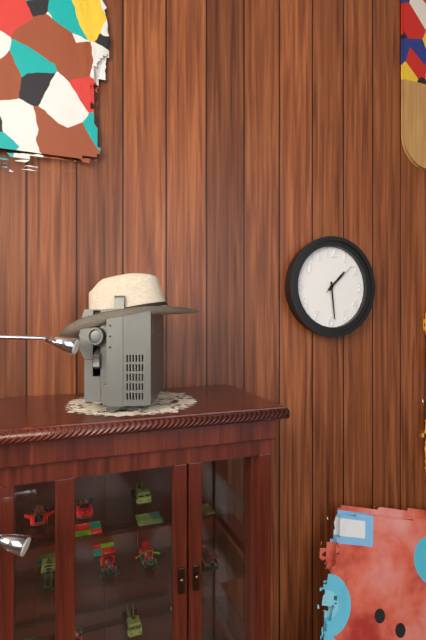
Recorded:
{"hour": 1, "minute": 29}
